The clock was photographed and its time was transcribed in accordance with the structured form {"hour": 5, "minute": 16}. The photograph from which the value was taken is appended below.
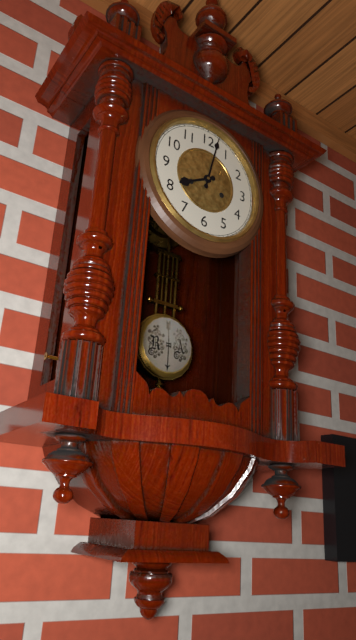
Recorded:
{"hour": 8, "minute": 2}
